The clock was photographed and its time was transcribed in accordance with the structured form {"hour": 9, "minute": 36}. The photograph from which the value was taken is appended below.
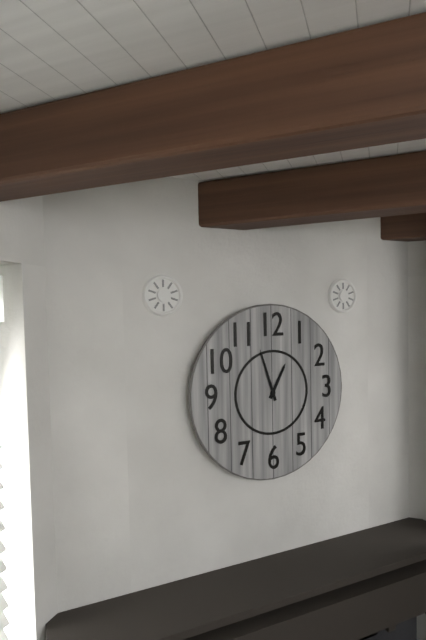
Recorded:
{"hour": 12, "minute": 57}
